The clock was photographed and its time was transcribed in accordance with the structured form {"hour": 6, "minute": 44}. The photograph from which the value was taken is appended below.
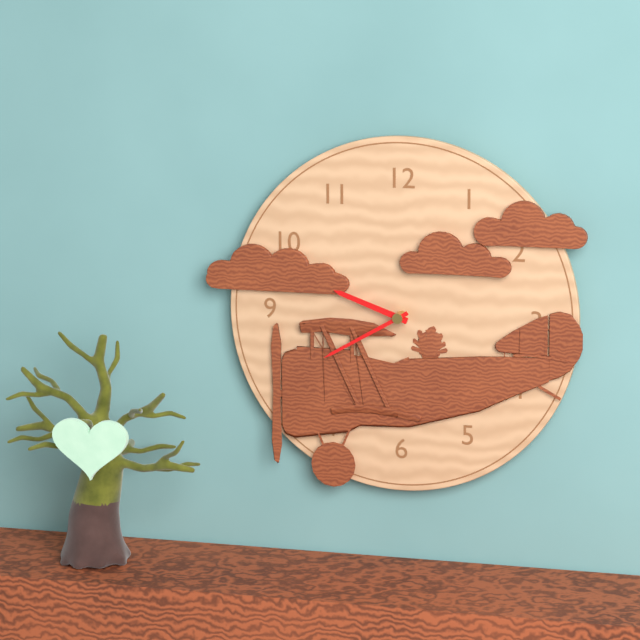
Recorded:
{"hour": 9, "minute": 40}
